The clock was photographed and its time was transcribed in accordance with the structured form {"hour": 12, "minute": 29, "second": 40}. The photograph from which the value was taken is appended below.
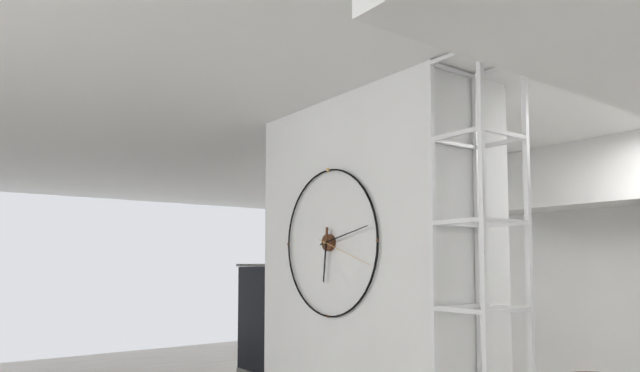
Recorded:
{"hour": 6, "minute": 13, "second": 18}
